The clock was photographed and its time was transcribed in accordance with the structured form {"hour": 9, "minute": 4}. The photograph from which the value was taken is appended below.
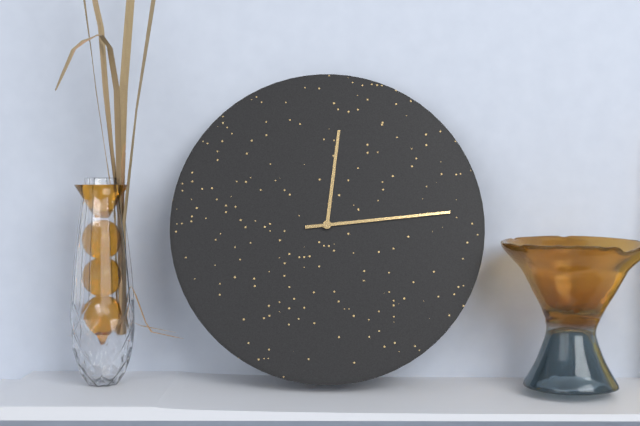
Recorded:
{"hour": 12, "minute": 14}
